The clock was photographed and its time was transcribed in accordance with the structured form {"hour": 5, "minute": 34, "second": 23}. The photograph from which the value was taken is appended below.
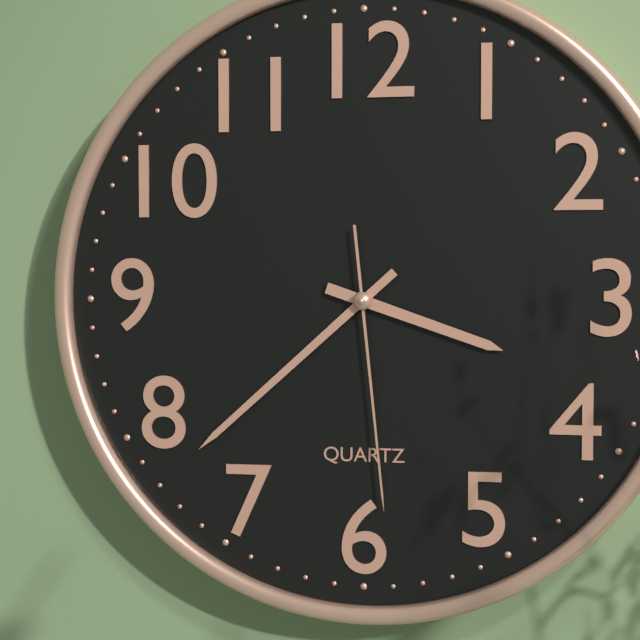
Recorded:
{"hour": 3, "minute": 38, "second": 29}
